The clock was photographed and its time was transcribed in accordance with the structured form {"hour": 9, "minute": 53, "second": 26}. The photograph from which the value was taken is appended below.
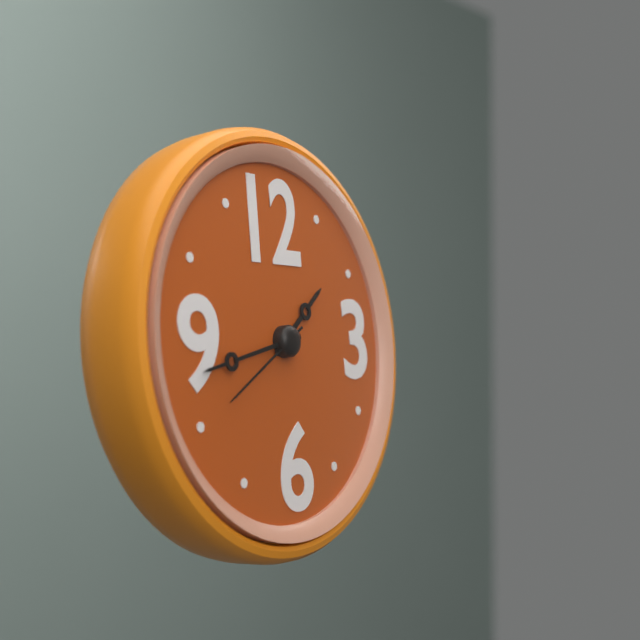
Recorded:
{"hour": 1, "minute": 43, "second": 40}
